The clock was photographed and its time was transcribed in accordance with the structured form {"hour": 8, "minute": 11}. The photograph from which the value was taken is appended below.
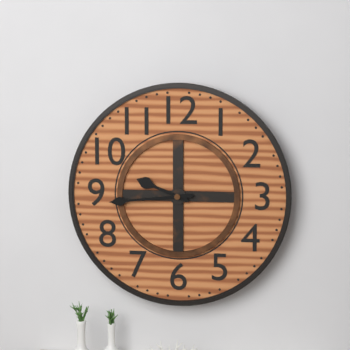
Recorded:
{"hour": 9, "minute": 44}
